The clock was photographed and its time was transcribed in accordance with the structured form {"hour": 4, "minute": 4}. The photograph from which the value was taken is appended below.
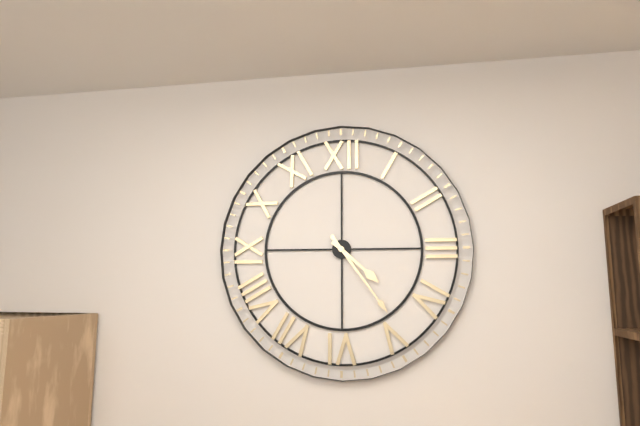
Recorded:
{"hour": 4, "minute": 24}
